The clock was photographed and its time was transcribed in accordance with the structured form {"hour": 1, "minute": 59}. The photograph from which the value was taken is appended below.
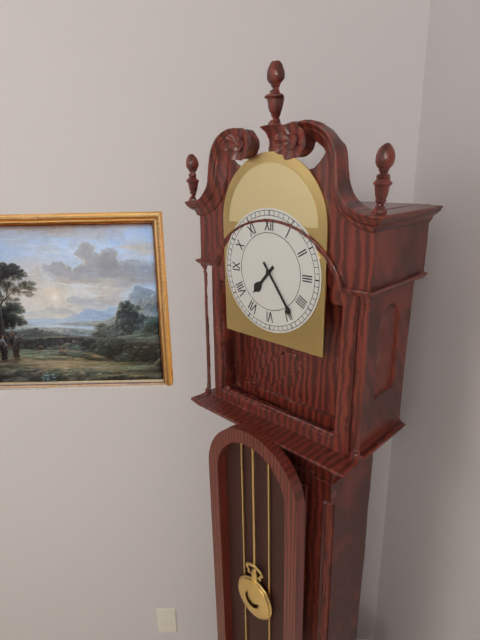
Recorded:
{"hour": 7, "minute": 24}
